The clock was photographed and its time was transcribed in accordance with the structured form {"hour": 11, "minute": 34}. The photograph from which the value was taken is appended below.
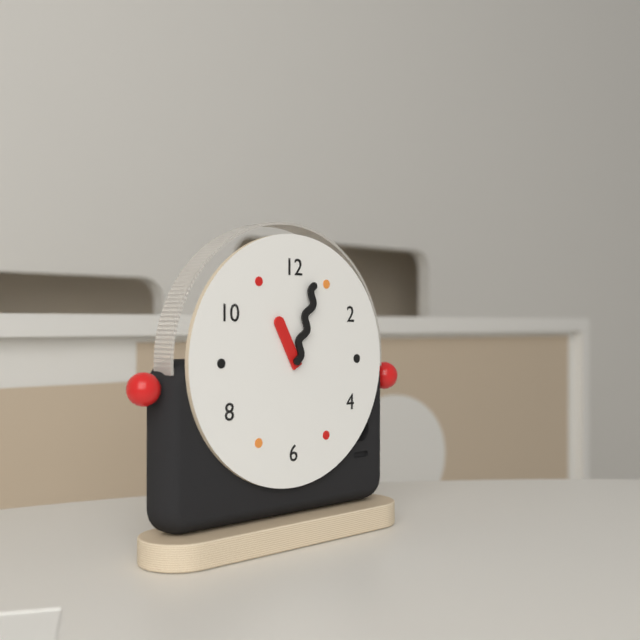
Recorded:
{"hour": 11, "minute": 3}
